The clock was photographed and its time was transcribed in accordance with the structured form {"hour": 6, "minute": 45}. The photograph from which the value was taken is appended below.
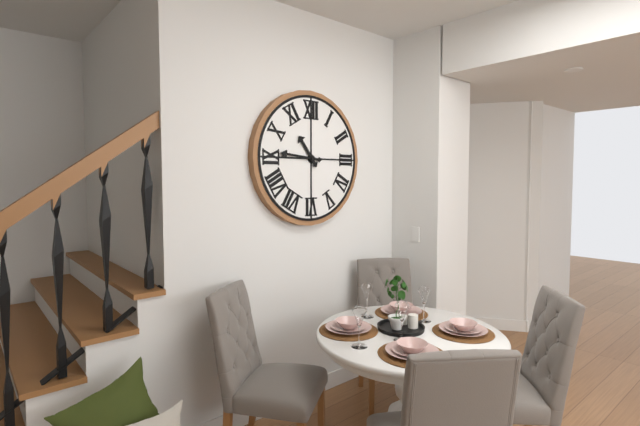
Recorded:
{"hour": 10, "minute": 46}
